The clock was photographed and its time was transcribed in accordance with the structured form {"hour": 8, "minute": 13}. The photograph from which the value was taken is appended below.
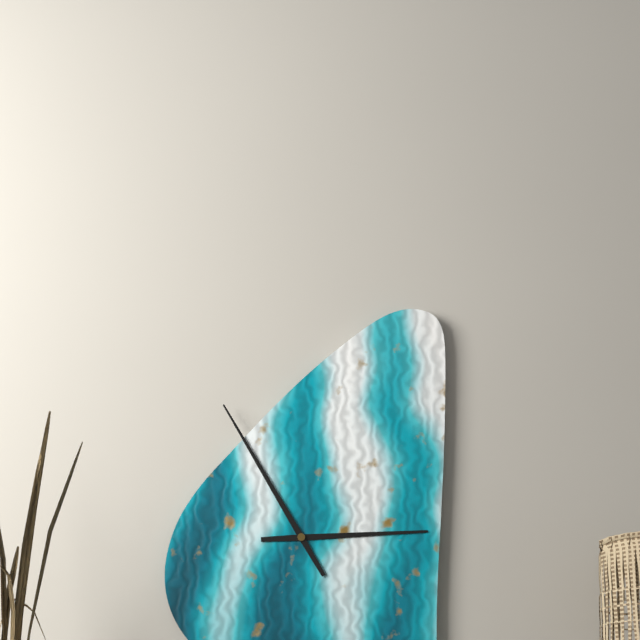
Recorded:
{"hour": 2, "minute": 55}
